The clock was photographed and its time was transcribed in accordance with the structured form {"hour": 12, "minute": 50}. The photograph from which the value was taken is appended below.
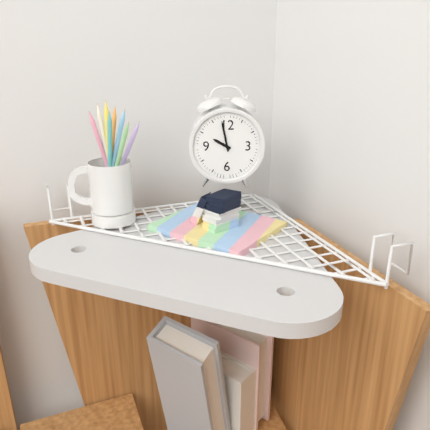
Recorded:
{"hour": 9, "minute": 58}
